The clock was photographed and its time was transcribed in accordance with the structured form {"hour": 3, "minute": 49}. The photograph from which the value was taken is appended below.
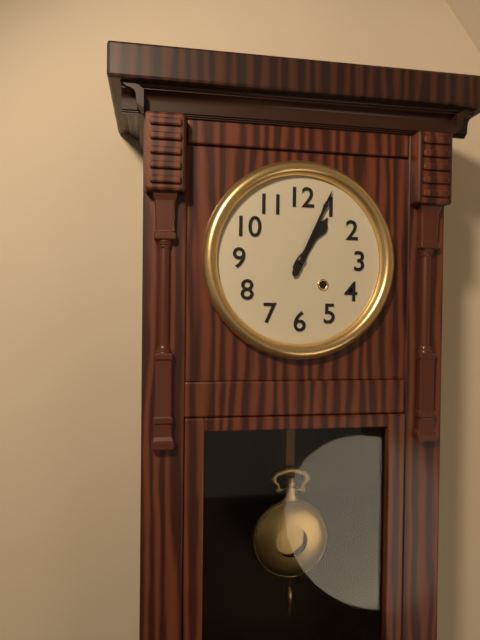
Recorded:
{"hour": 1, "minute": 4}
